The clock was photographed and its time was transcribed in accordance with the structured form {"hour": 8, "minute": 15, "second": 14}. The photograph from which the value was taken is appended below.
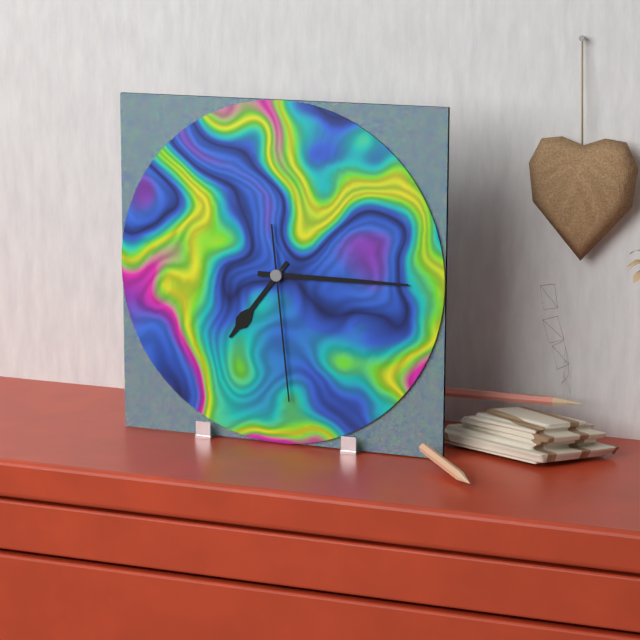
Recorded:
{"hour": 7, "minute": 15, "second": 29}
